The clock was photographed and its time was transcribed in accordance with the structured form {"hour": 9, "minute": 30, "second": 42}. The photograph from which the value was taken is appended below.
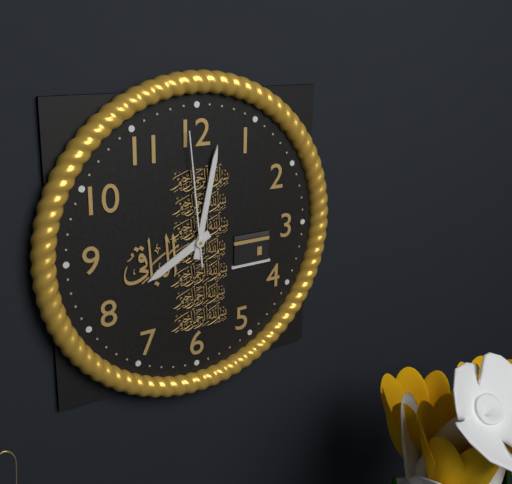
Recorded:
{"hour": 8, "minute": 2, "second": 59}
